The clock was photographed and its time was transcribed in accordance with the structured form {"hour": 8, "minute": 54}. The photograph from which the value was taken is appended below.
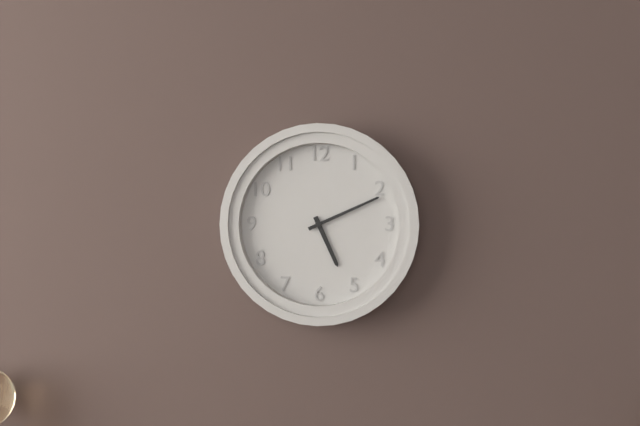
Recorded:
{"hour": 5, "minute": 11}
